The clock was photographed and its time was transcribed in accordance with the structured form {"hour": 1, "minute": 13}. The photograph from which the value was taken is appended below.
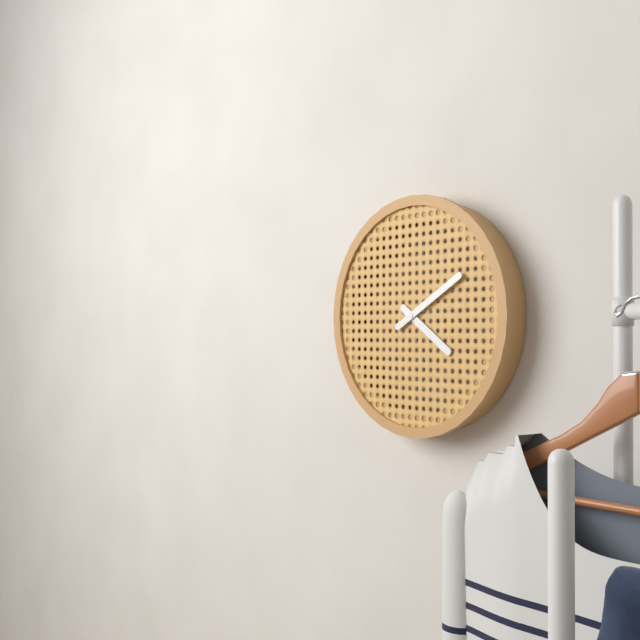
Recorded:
{"hour": 4, "minute": 10}
